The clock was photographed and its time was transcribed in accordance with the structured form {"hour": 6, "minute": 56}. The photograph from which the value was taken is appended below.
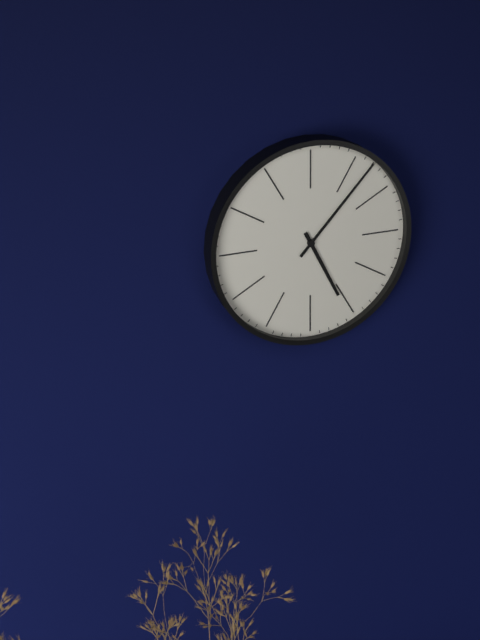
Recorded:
{"hour": 5, "minute": 7}
